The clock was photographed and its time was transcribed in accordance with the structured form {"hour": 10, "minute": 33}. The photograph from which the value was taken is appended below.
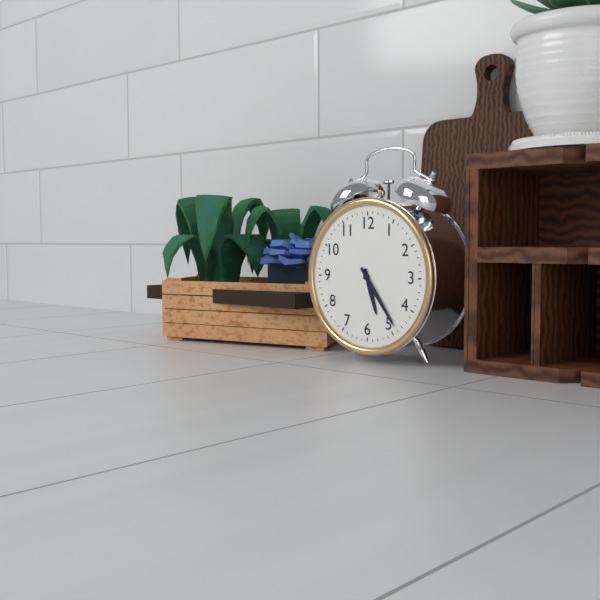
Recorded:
{"hour": 5, "minute": 24}
